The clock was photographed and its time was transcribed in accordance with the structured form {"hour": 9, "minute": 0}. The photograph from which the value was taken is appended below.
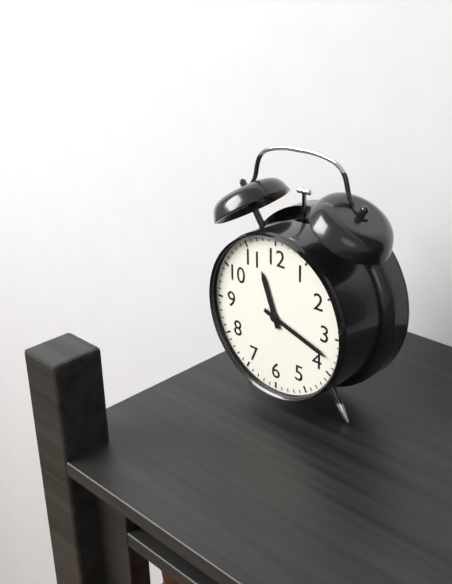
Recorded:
{"hour": 11, "minute": 18}
